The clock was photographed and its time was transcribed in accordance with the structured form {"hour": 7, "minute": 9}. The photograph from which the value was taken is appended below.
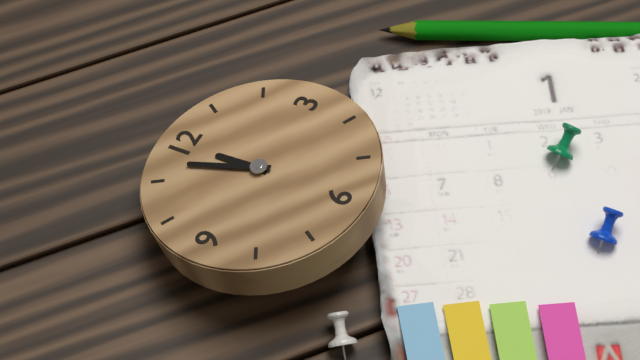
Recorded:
{"hour": 11, "minute": 57}
